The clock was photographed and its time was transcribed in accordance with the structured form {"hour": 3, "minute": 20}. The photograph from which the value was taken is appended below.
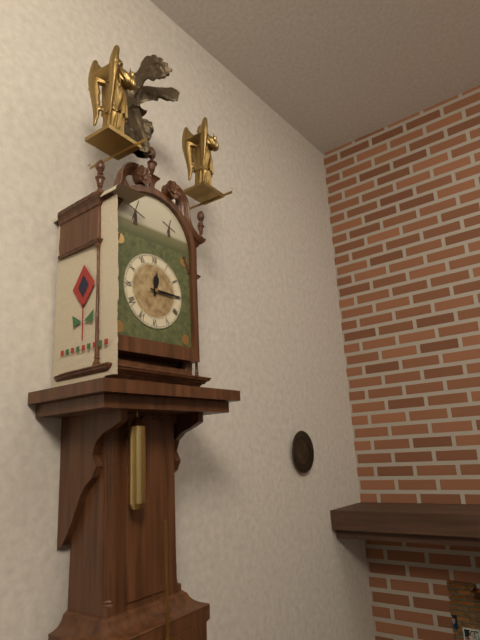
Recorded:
{"hour": 12, "minute": 15}
